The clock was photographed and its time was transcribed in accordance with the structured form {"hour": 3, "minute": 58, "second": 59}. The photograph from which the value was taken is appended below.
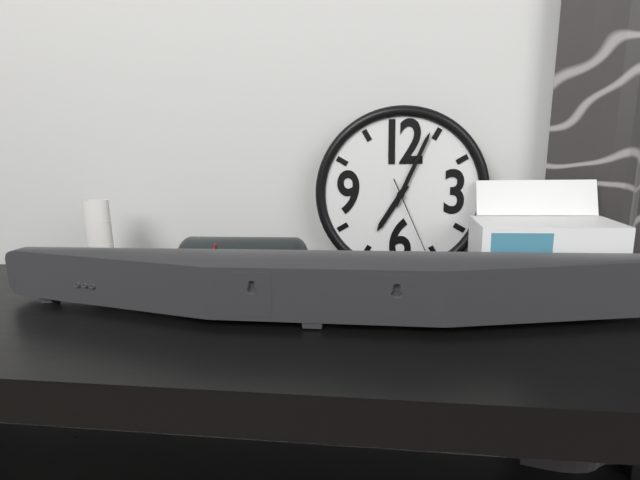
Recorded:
{"hour": 7, "minute": 4, "second": 26}
